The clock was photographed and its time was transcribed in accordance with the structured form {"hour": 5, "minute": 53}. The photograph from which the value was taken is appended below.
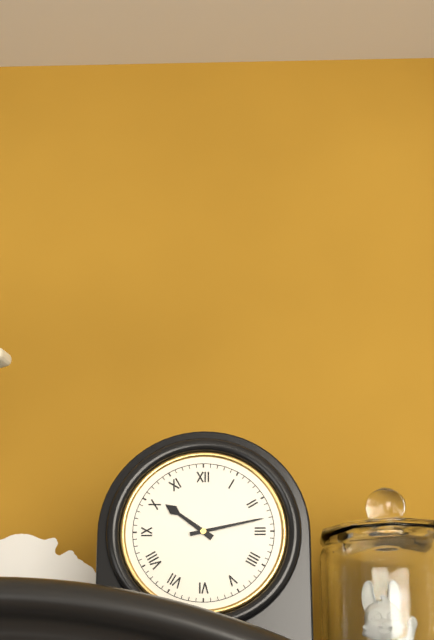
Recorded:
{"hour": 10, "minute": 13}
